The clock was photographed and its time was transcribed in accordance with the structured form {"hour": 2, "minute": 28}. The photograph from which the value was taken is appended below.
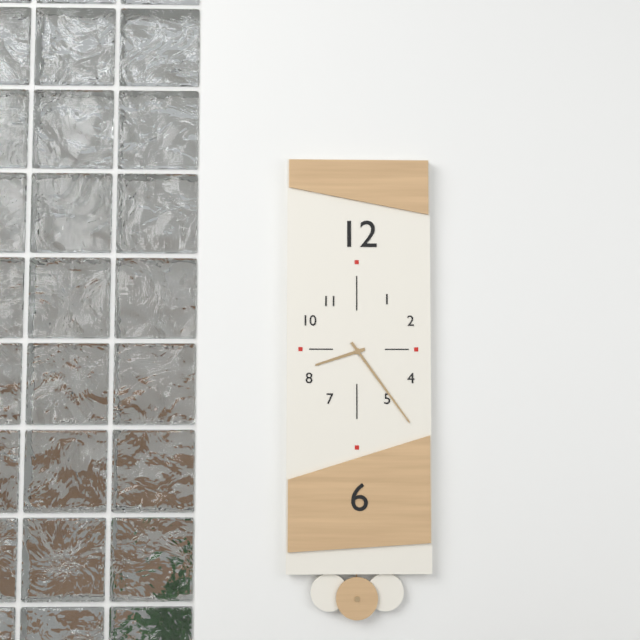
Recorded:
{"hour": 8, "minute": 24}
